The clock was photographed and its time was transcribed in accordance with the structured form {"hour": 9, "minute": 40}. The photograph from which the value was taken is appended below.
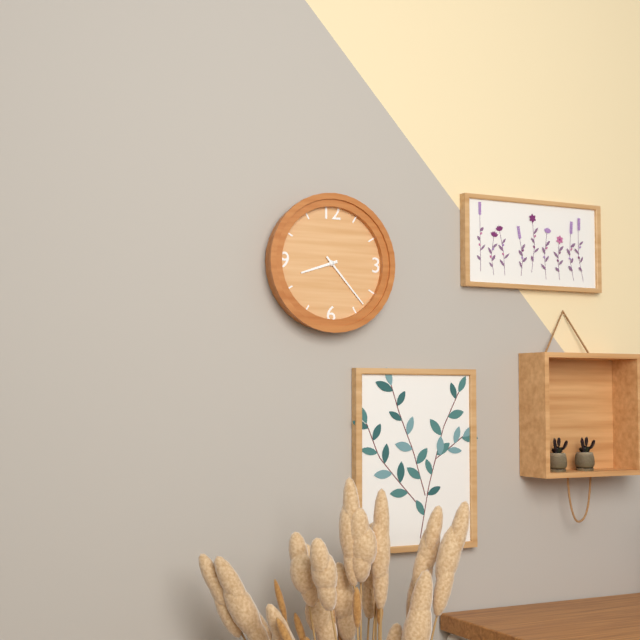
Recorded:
{"hour": 8, "minute": 23}
